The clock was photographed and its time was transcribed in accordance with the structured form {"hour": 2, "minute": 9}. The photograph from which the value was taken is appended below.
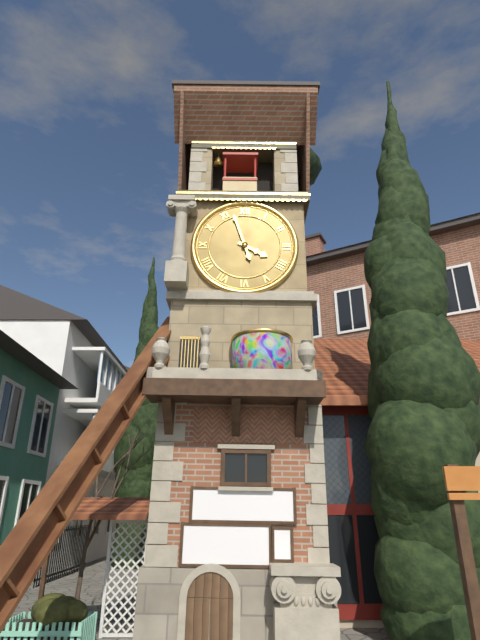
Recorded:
{"hour": 3, "minute": 57}
